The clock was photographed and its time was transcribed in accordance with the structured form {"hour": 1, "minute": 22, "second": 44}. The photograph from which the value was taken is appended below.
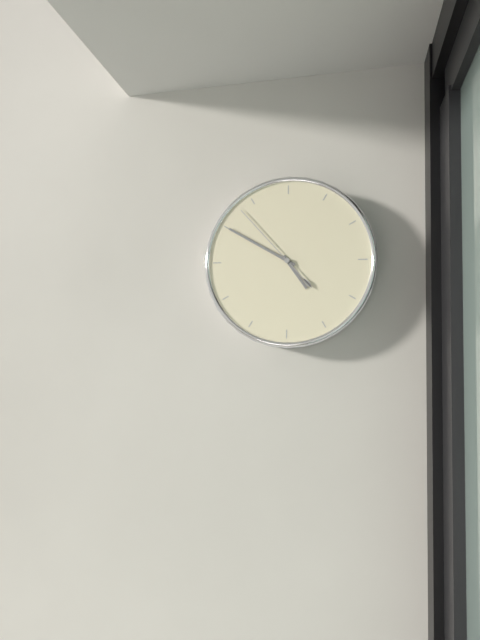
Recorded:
{"hour": 4, "minute": 50, "second": 53}
